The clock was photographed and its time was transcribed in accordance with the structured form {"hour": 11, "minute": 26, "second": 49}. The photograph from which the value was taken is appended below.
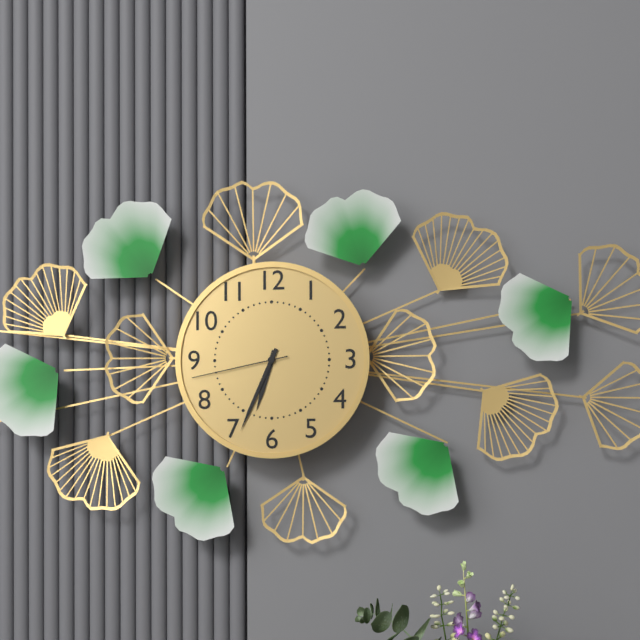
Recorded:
{"hour": 6, "minute": 34, "second": 43}
